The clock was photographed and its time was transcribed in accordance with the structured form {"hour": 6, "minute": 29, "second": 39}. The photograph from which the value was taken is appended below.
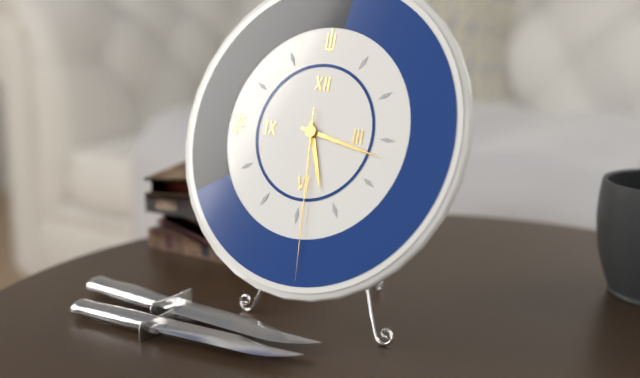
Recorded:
{"hour": 5, "minute": 17, "second": 29}
